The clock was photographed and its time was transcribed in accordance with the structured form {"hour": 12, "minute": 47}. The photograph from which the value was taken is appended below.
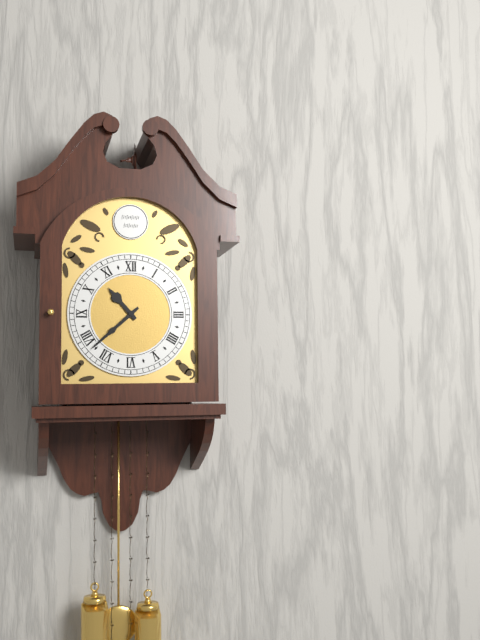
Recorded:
{"hour": 10, "minute": 38}
